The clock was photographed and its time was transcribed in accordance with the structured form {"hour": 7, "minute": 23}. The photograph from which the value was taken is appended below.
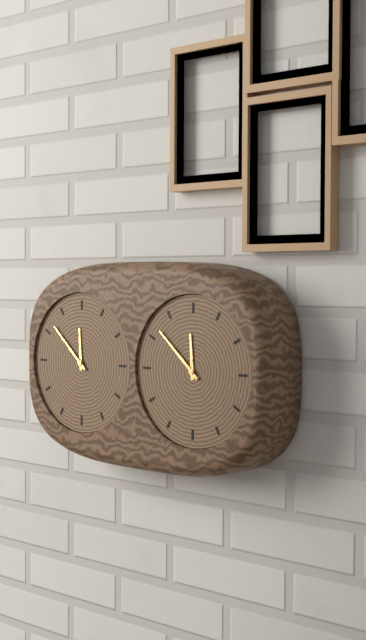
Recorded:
{"hour": 11, "minute": 52}
